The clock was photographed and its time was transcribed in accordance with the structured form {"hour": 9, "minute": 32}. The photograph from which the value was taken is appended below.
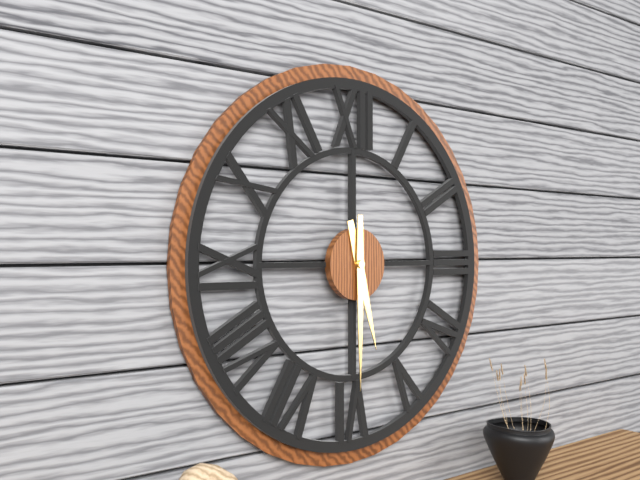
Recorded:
{"hour": 5, "minute": 30}
